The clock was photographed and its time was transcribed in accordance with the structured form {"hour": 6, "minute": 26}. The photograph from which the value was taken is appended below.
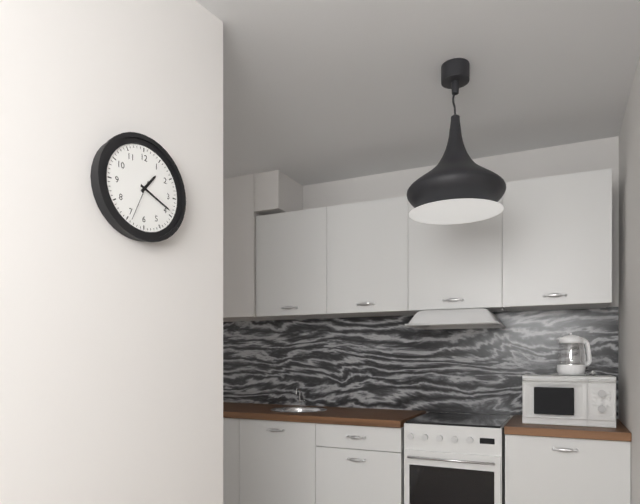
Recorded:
{"hour": 1, "minute": 19}
